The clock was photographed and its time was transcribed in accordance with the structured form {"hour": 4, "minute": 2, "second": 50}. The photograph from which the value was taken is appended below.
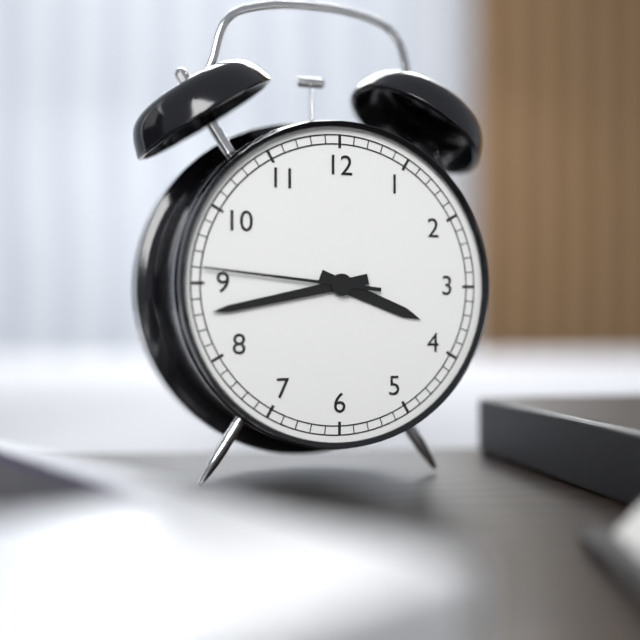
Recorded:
{"hour": 3, "minute": 43, "second": 46}
